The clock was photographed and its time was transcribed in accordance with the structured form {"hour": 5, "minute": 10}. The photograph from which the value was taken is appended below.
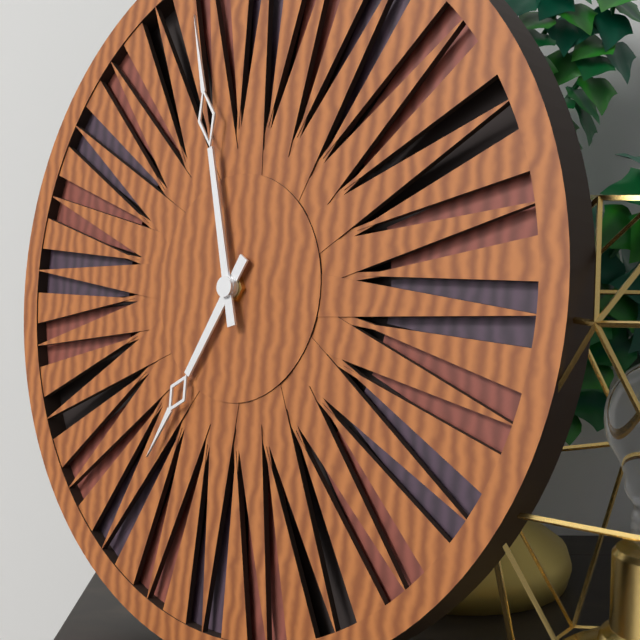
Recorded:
{"hour": 6, "minute": 57}
